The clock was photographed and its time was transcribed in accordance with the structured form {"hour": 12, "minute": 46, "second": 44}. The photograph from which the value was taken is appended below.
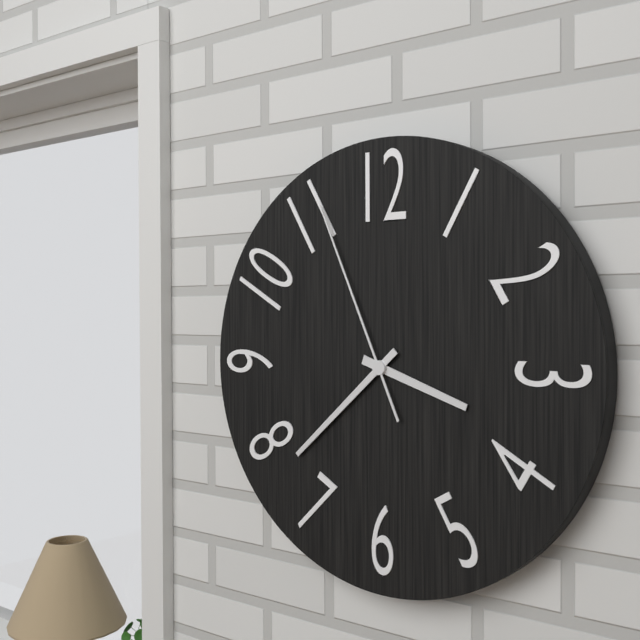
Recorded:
{"hour": 3, "minute": 38, "second": 56}
